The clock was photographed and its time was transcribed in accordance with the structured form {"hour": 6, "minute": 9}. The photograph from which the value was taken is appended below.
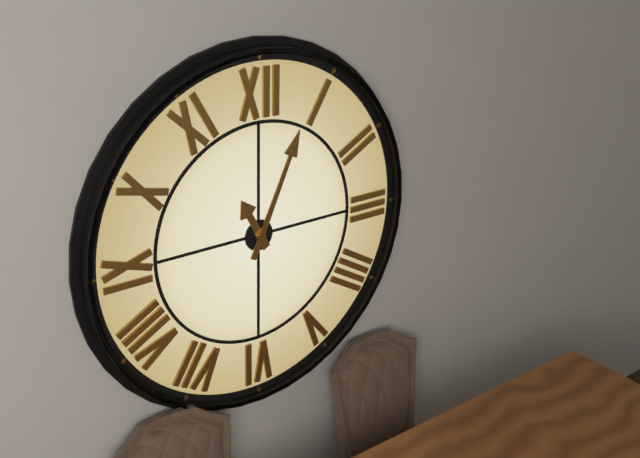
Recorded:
{"hour": 11, "minute": 4}
